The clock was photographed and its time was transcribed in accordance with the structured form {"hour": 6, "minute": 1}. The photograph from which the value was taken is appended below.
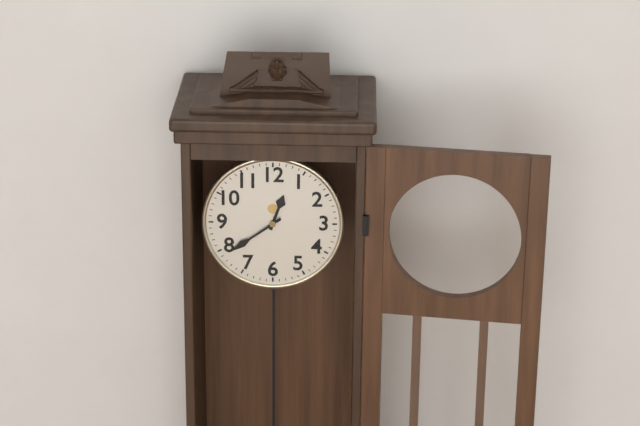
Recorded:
{"hour": 12, "minute": 39}
